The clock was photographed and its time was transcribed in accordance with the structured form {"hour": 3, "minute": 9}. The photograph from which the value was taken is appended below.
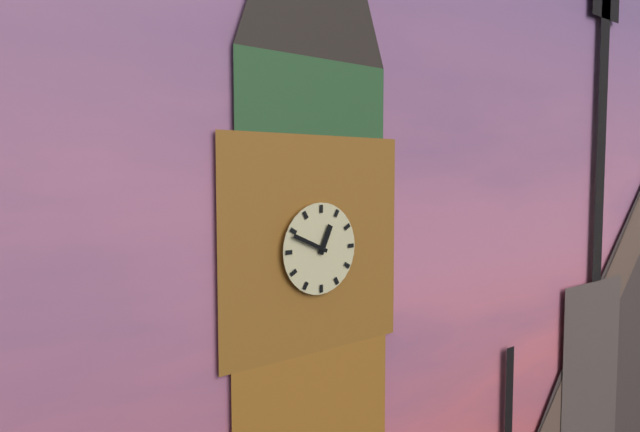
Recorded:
{"hour": 12, "minute": 49}
